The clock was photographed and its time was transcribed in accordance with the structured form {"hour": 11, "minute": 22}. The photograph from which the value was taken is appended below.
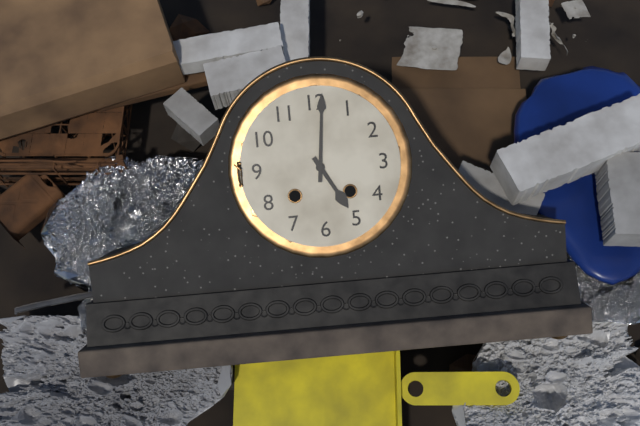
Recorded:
{"hour": 5, "minute": 1}
